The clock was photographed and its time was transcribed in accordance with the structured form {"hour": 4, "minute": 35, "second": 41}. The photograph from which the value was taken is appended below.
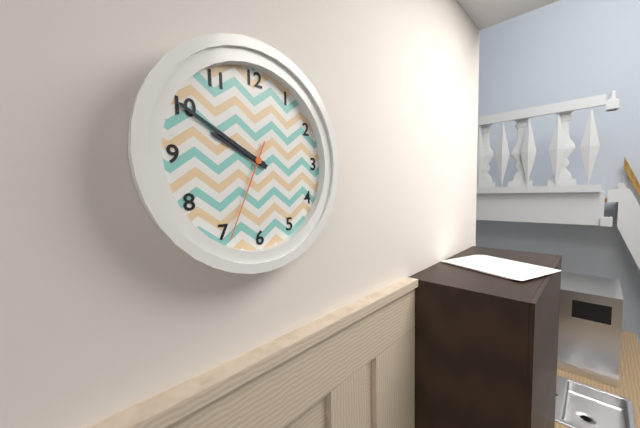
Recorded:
{"hour": 9, "minute": 50, "second": 34}
